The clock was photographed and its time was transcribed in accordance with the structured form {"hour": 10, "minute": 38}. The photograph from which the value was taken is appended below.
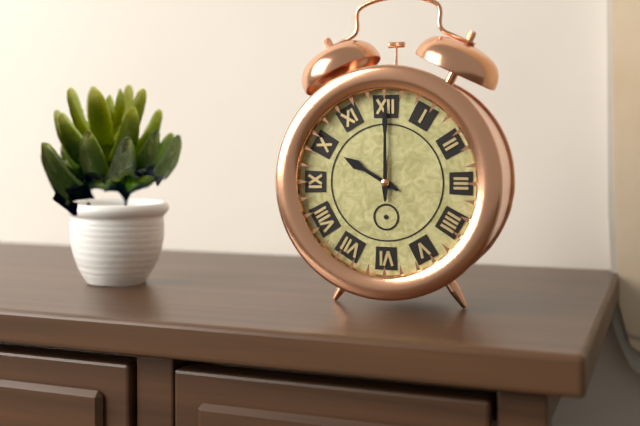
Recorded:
{"hour": 10, "minute": 0}
